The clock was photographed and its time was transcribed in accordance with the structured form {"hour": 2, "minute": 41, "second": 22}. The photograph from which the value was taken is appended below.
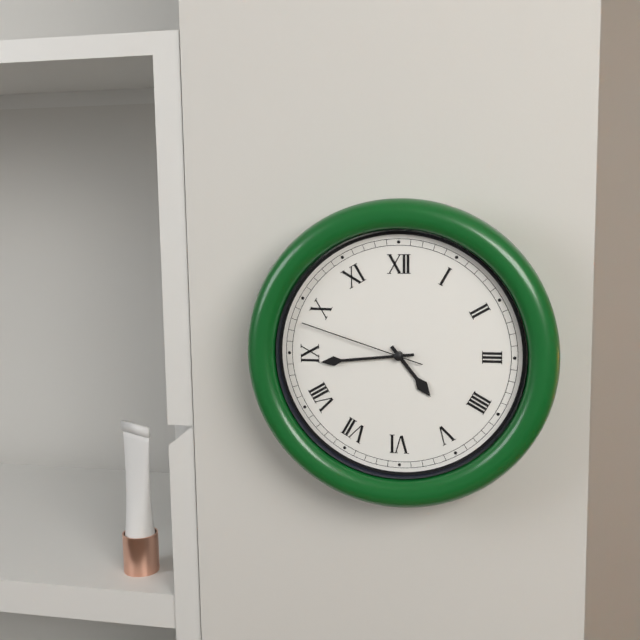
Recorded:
{"hour": 4, "minute": 44, "second": 48}
